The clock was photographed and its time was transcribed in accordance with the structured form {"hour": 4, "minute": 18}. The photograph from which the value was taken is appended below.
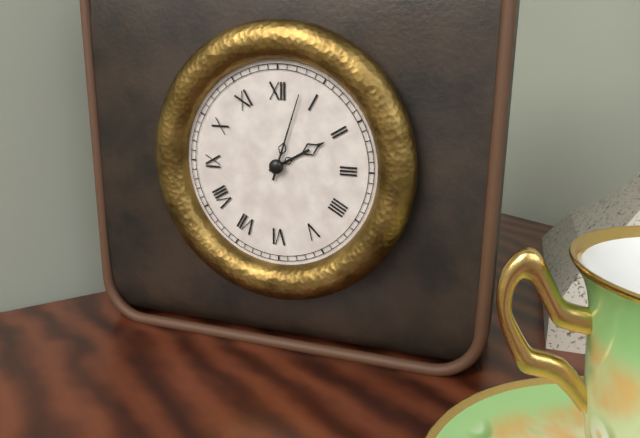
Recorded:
{"hour": 2, "minute": 3}
